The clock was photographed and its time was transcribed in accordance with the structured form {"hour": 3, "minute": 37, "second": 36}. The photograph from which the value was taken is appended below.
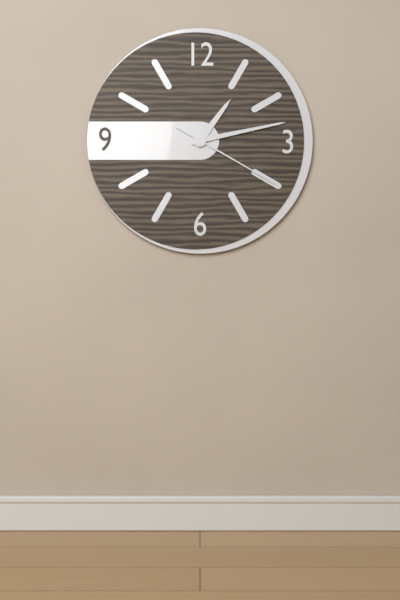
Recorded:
{"hour": 1, "minute": 13, "second": 20}
